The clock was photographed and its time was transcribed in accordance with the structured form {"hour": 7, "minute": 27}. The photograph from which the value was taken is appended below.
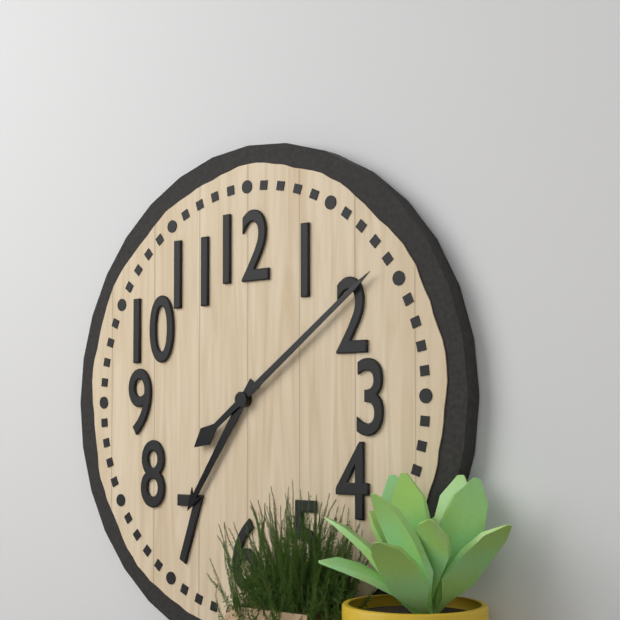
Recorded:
{"hour": 7, "minute": 9}
